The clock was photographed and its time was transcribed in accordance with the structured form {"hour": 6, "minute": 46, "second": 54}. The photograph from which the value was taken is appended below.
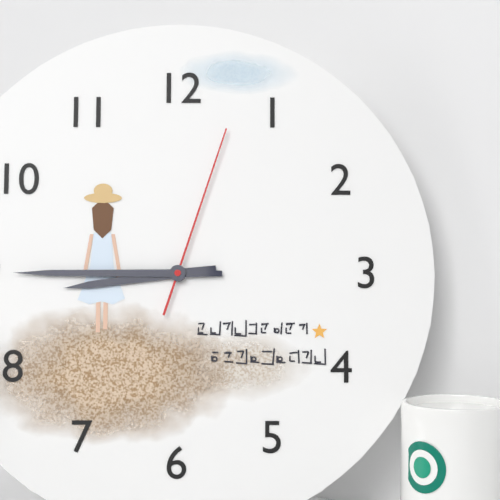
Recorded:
{"hour": 8, "minute": 45, "second": 3}
